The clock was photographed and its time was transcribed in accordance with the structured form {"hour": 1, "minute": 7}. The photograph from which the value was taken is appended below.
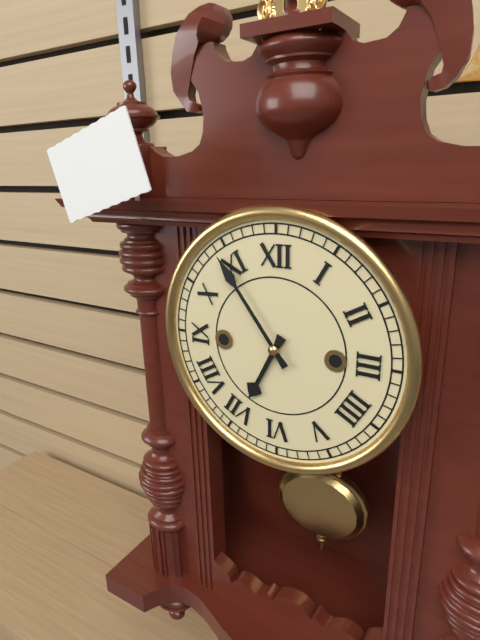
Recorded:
{"hour": 6, "minute": 54}
